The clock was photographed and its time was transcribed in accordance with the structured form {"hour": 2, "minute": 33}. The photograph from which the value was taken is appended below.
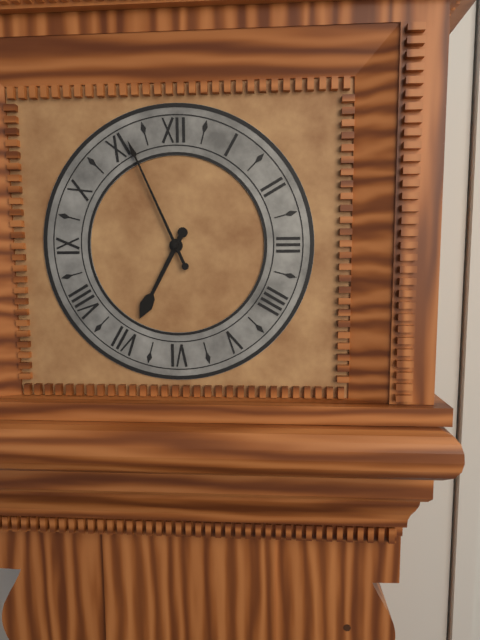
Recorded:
{"hour": 6, "minute": 56}
